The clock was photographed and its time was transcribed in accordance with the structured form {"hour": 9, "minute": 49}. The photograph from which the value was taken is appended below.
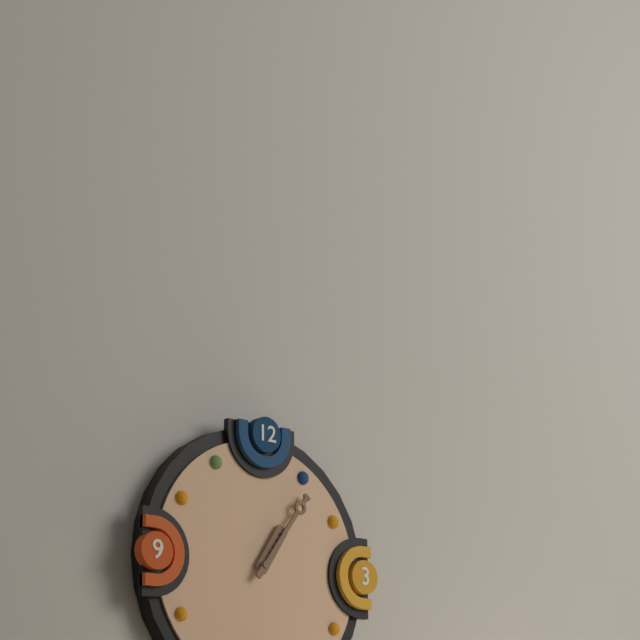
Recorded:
{"hour": 1, "minute": 6}
